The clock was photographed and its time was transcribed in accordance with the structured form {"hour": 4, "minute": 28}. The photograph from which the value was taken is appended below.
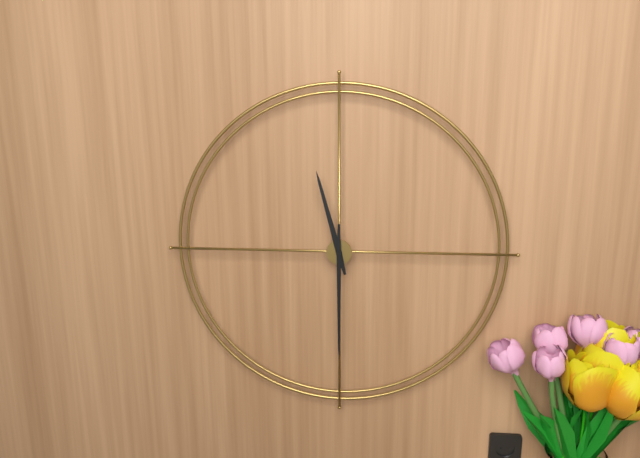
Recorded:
{"hour": 11, "minute": 30}
